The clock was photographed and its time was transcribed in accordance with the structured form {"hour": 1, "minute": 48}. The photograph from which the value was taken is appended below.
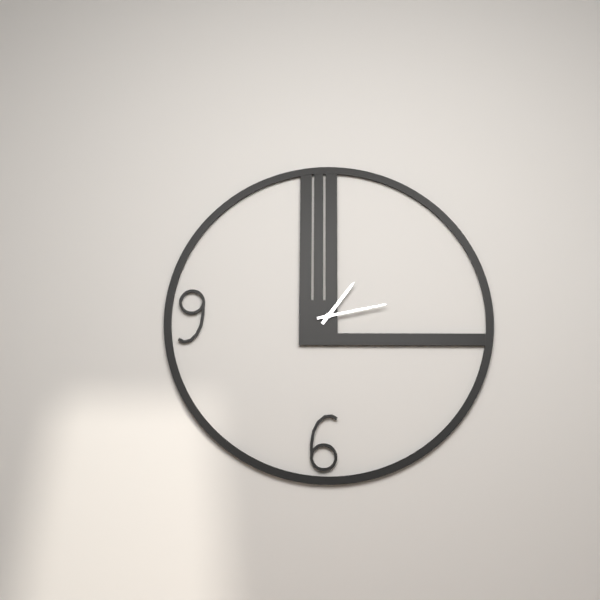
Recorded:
{"hour": 1, "minute": 13}
